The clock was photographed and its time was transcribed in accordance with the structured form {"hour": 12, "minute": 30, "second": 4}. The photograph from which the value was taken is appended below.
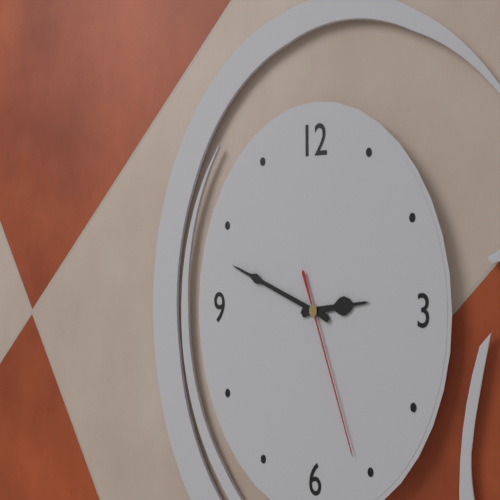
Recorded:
{"hour": 2, "minute": 48, "second": 26}
